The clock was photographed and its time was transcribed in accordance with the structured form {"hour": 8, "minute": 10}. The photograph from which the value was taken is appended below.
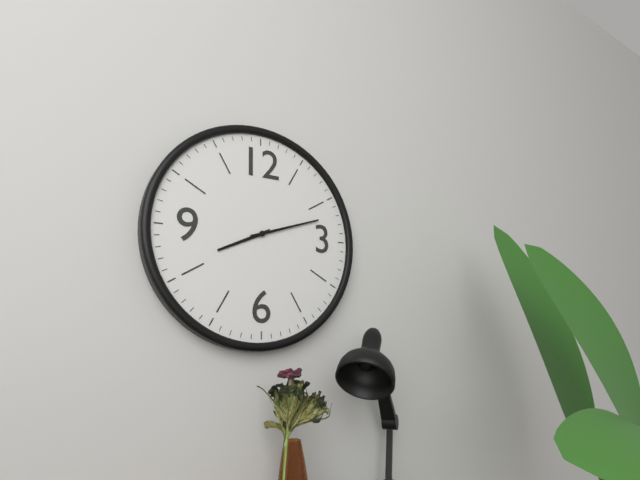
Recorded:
{"hour": 8, "minute": 12}
